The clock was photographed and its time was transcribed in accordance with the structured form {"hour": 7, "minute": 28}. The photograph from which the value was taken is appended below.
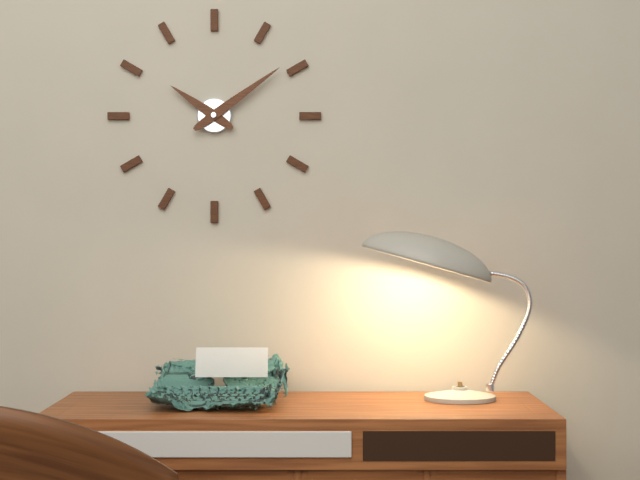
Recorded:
{"hour": 10, "minute": 9}
